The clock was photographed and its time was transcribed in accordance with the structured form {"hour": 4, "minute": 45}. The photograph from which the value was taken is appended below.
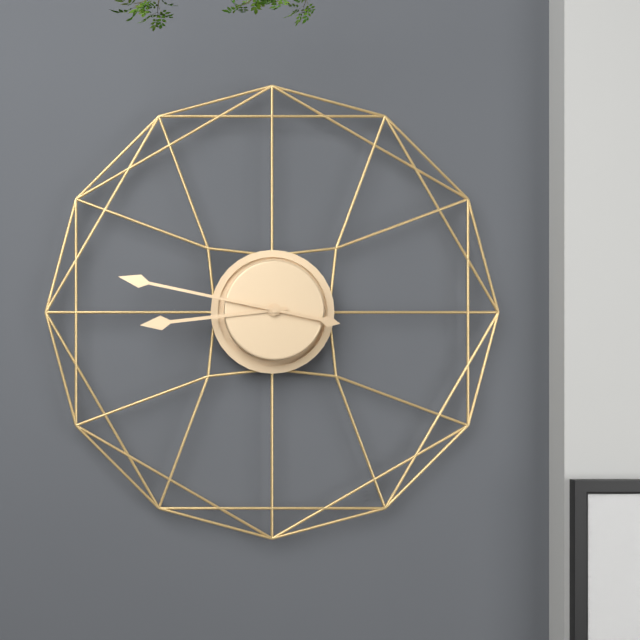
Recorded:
{"hour": 8, "minute": 47}
